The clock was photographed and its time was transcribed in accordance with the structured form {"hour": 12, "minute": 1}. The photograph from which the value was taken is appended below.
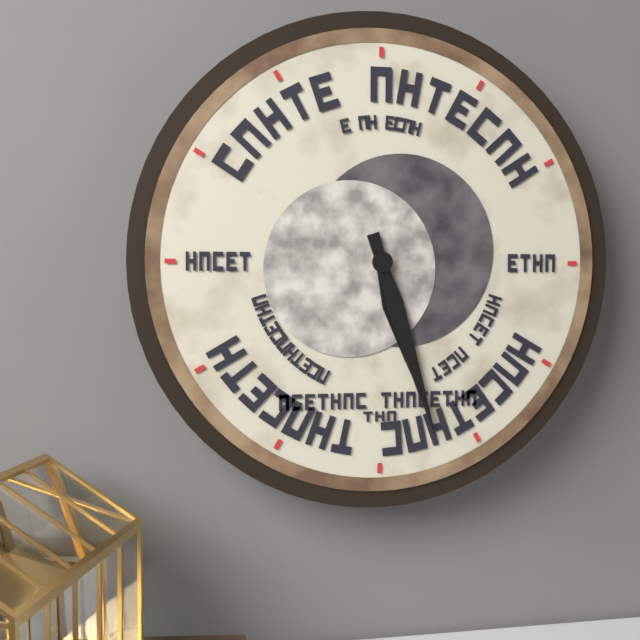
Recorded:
{"hour": 5, "minute": 27}
